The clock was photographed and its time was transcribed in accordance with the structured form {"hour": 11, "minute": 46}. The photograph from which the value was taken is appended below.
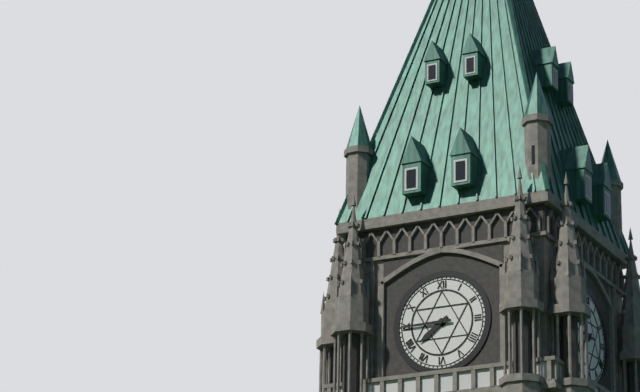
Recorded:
{"hour": 7, "minute": 45}
